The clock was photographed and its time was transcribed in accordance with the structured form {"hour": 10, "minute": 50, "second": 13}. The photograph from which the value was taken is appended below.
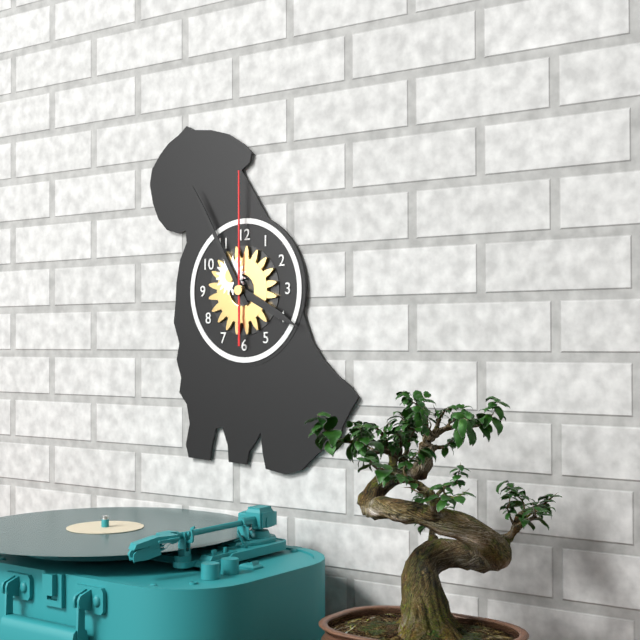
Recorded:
{"hour": 3, "minute": 55, "second": 0}
